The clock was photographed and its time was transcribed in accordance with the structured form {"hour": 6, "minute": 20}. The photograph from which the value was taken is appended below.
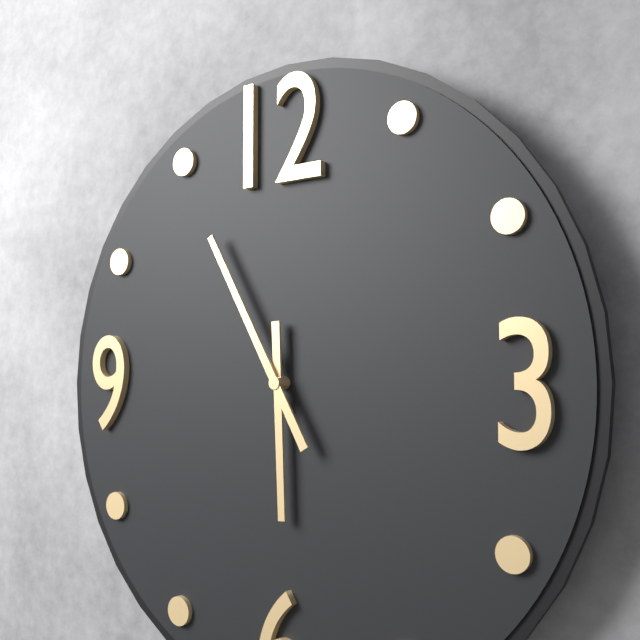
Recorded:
{"hour": 5, "minute": 55}
